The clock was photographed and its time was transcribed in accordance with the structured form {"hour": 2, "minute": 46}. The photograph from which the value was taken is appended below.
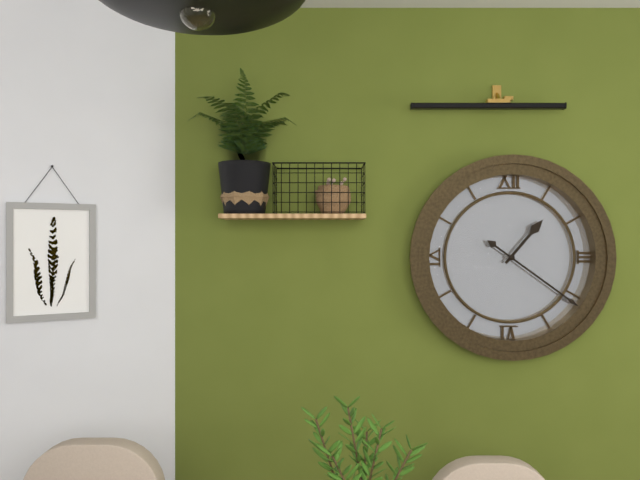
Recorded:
{"hour": 1, "minute": 21}
